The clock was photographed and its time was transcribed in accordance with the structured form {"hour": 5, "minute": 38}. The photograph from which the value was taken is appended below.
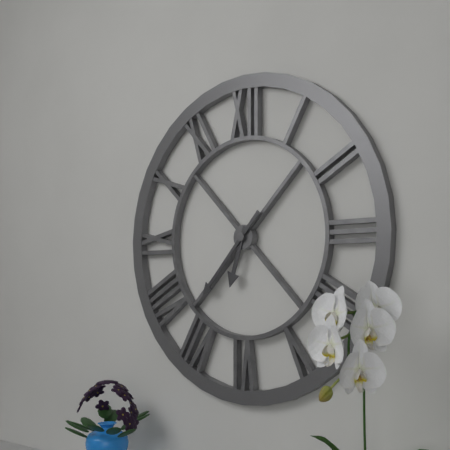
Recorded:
{"hour": 6, "minute": 37}
